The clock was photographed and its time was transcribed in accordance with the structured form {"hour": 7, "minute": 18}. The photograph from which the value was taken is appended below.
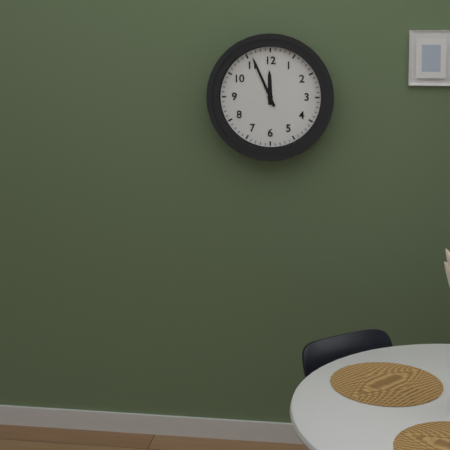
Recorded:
{"hour": 11, "minute": 56}
